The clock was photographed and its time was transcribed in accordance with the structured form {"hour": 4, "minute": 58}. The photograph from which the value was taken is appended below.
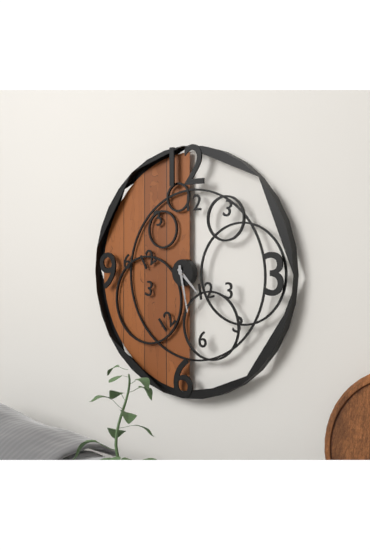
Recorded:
{"hour": 4, "minute": 28}
